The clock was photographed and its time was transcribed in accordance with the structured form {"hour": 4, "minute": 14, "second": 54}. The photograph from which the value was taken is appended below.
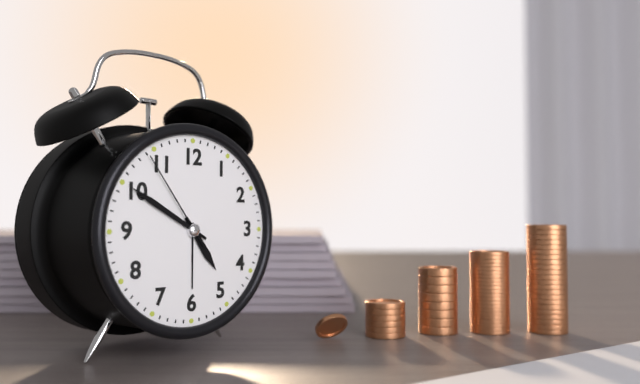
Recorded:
{"hour": 4, "minute": 50, "second": 54}
